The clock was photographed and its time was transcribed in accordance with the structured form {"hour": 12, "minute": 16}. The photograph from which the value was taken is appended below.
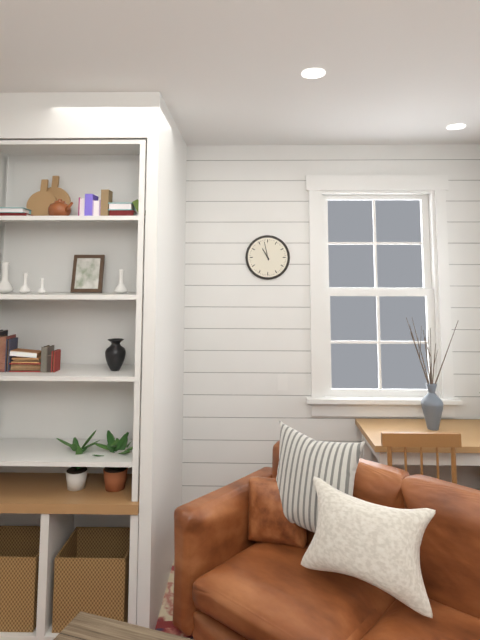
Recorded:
{"hour": 10, "minute": 58}
